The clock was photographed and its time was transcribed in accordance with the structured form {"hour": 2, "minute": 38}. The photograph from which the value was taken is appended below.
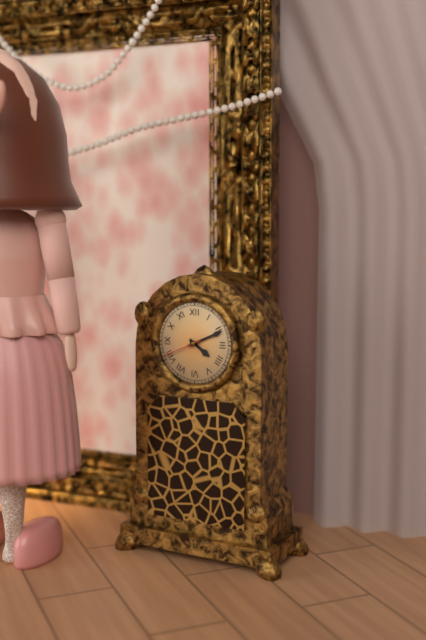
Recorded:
{"hour": 4, "minute": 11}
